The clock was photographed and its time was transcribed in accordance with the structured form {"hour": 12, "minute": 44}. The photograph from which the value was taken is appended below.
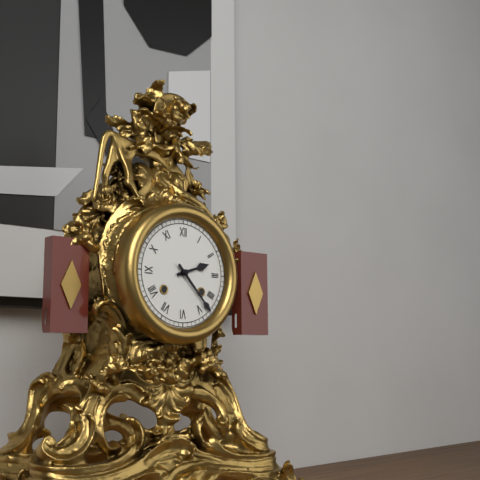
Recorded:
{"hour": 2, "minute": 23}
